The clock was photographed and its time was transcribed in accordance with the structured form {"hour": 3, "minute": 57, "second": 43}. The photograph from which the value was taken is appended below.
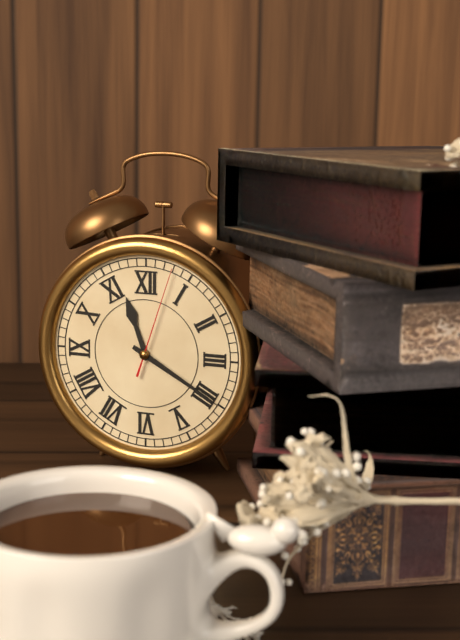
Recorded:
{"hour": 11, "minute": 20, "second": 3}
